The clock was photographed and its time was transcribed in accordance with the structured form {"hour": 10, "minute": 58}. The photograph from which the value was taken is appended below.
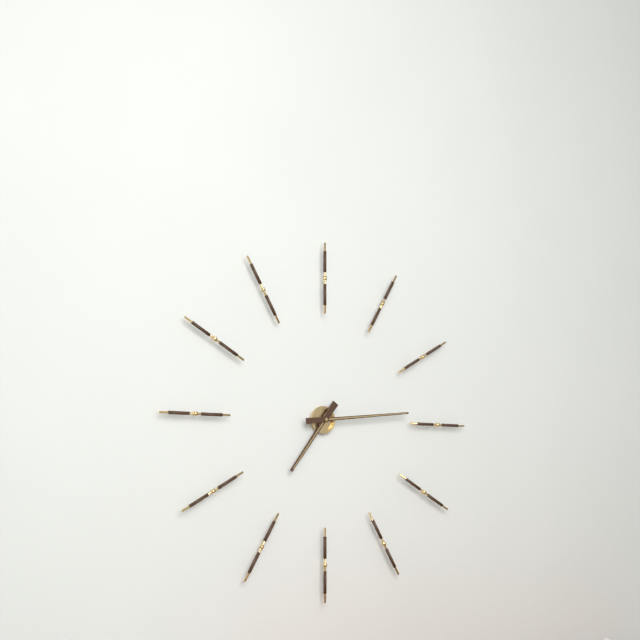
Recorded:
{"hour": 7, "minute": 14}
